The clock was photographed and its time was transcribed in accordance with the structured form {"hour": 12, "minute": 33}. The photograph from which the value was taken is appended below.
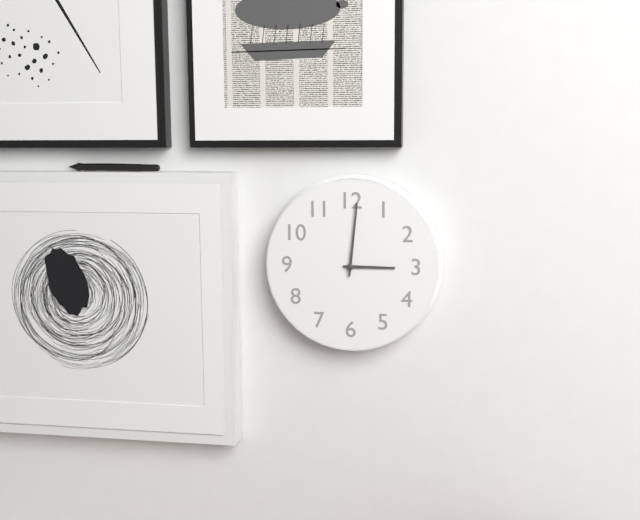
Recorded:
{"hour": 3, "minute": 1}
